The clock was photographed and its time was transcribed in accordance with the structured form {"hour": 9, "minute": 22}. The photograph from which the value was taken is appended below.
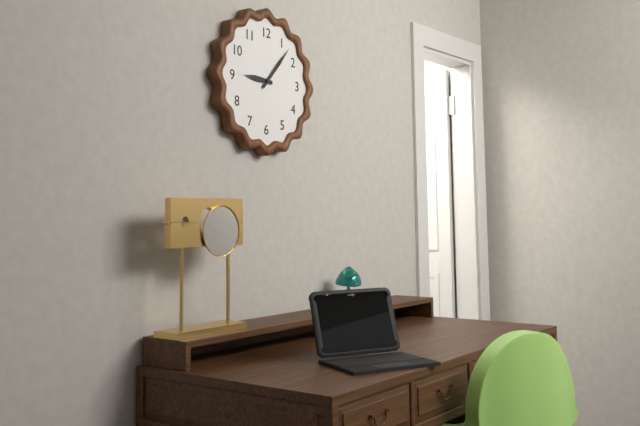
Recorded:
{"hour": 9, "minute": 7}
